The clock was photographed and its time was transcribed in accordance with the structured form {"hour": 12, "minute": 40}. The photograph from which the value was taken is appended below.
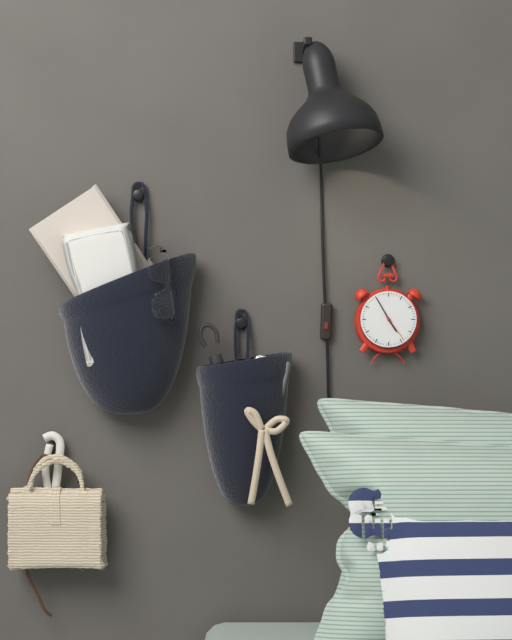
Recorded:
{"hour": 4, "minute": 55}
